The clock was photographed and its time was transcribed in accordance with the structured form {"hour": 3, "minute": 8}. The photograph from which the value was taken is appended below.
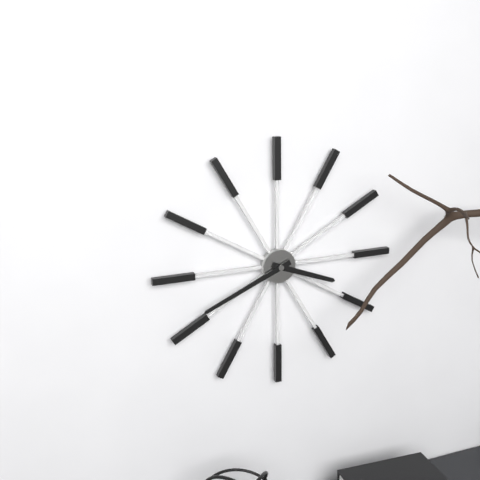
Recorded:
{"hour": 3, "minute": 41}
